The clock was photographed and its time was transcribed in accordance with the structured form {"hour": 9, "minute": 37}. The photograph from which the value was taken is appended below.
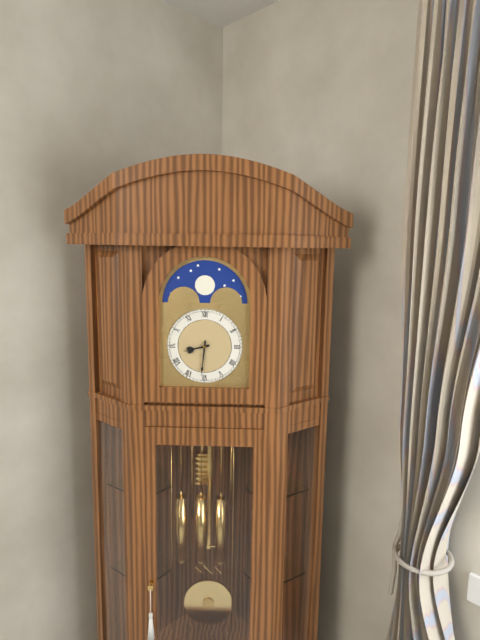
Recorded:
{"hour": 8, "minute": 31}
